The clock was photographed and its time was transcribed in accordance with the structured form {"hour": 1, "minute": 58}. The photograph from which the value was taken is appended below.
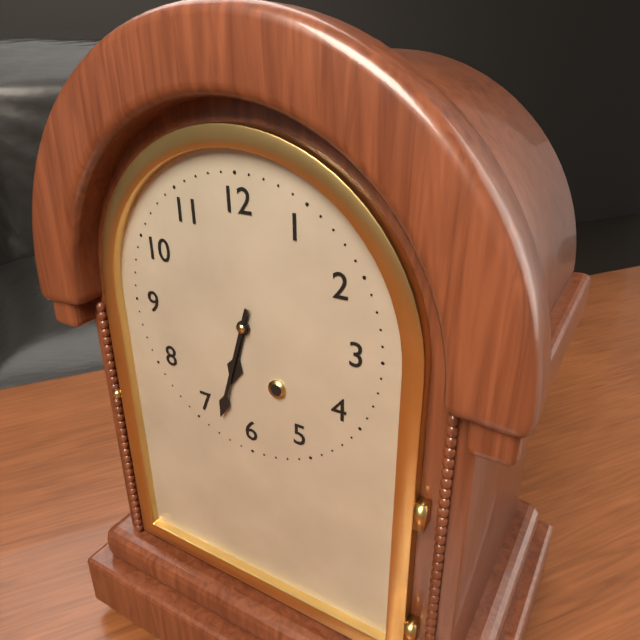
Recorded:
{"hour": 6, "minute": 33}
